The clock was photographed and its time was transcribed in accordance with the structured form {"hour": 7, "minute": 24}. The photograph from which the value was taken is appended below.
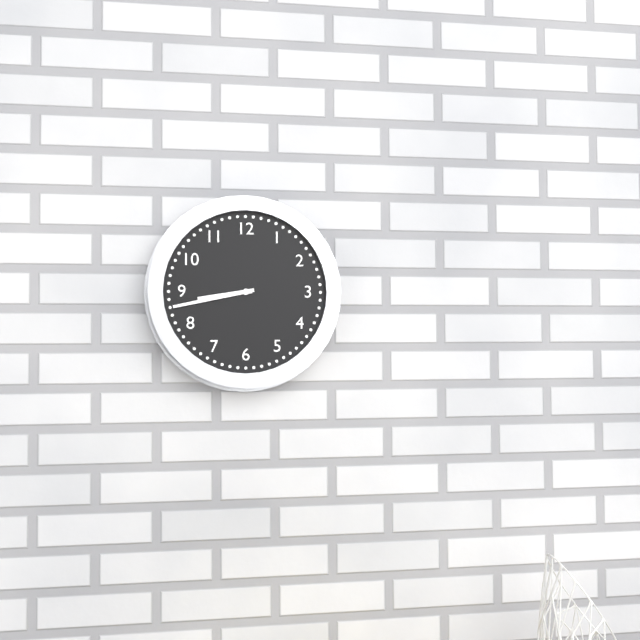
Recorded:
{"hour": 8, "minute": 43}
